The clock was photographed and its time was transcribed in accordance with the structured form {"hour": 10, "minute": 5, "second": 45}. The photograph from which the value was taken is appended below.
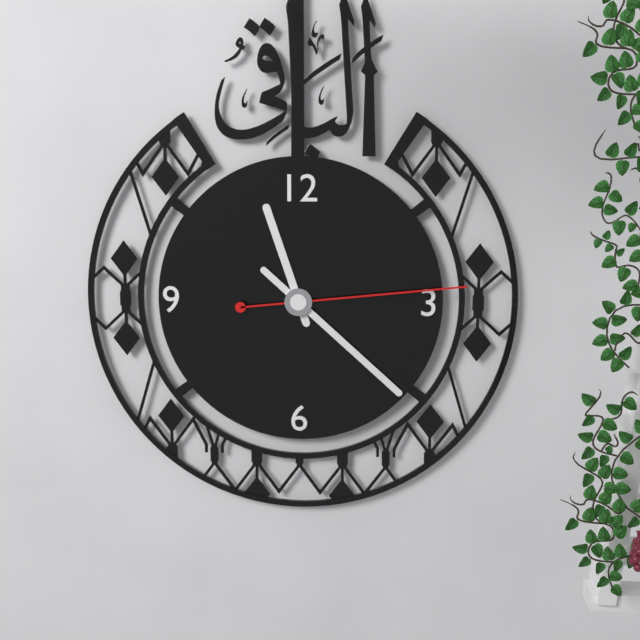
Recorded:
{"hour": 11, "minute": 22, "second": 14}
